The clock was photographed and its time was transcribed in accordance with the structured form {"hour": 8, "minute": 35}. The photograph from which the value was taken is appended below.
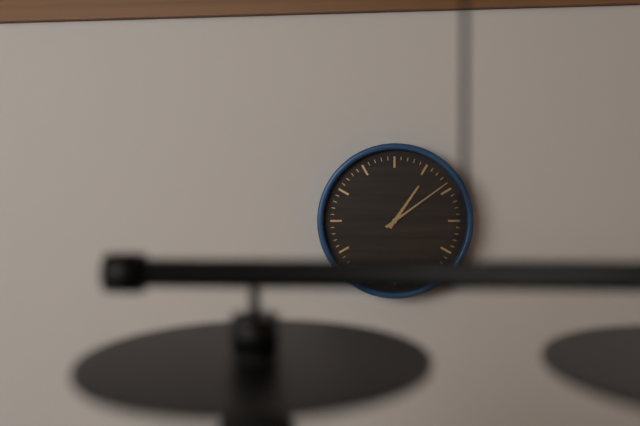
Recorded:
{"hour": 1, "minute": 9}
